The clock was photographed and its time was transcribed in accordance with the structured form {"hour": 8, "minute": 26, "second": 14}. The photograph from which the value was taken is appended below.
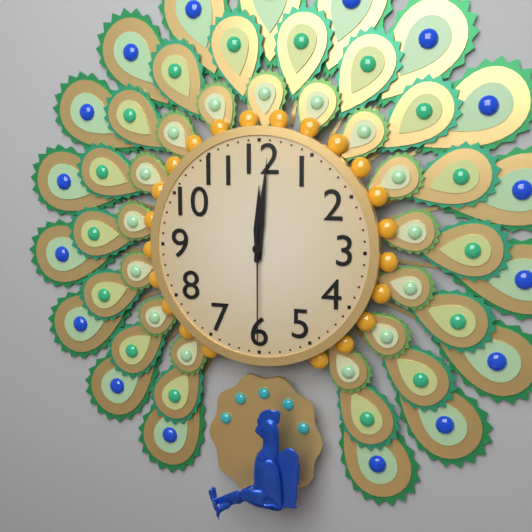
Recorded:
{"hour": 12, "minute": 1, "second": 30}
